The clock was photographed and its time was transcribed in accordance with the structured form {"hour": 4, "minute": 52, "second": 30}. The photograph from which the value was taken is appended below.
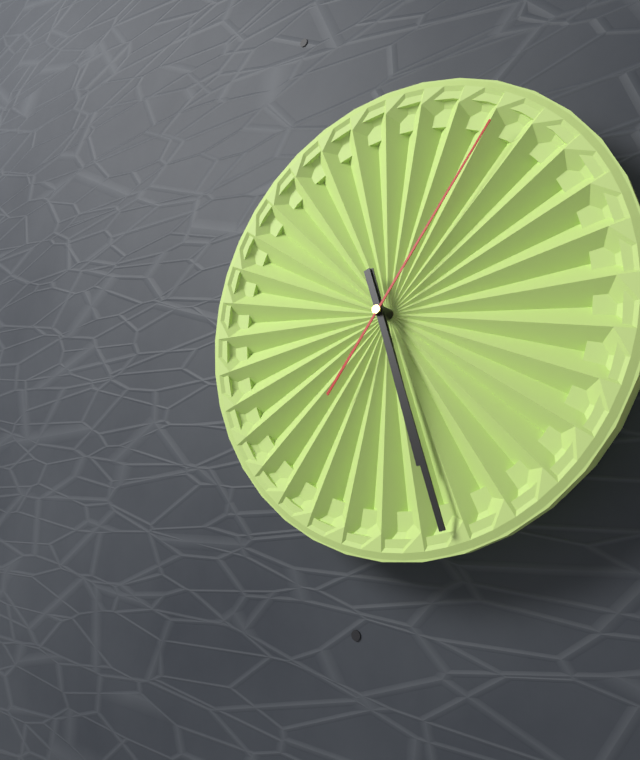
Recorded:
{"hour": 5, "minute": 27, "second": 6}
